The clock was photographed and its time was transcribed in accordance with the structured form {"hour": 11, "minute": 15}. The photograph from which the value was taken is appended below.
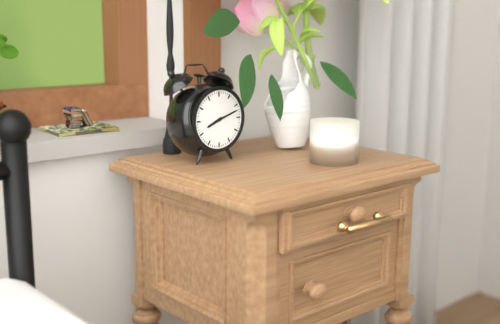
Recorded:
{"hour": 8, "minute": 12}
